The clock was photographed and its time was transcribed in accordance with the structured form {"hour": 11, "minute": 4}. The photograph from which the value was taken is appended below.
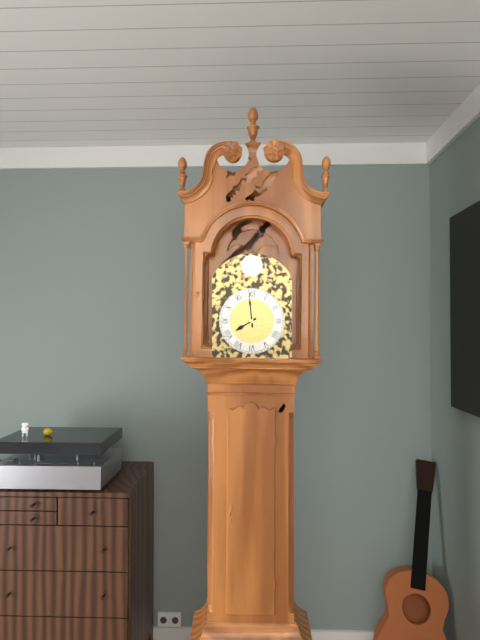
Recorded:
{"hour": 7, "minute": 59}
